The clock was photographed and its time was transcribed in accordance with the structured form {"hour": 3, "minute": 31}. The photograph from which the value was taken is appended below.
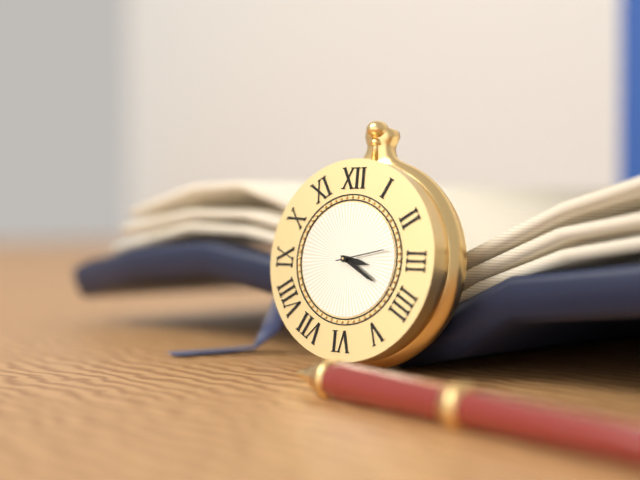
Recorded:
{"hour": 3, "minute": 20}
